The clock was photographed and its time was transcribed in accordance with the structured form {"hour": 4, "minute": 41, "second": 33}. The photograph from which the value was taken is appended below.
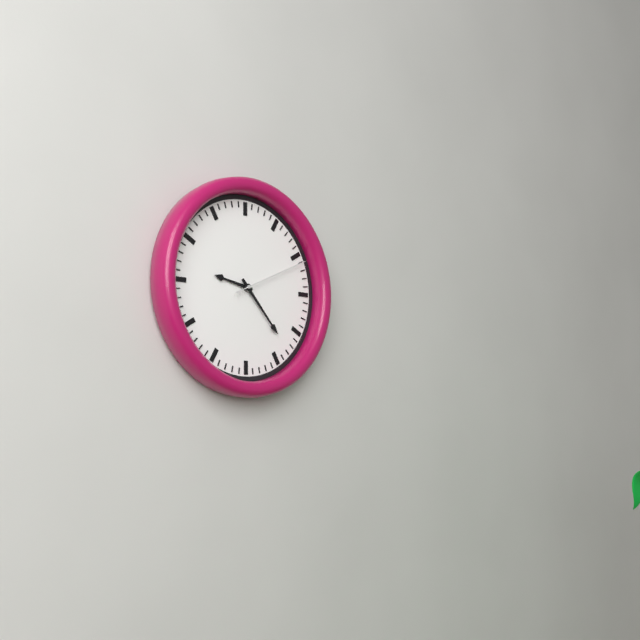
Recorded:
{"hour": 9, "minute": 23, "second": 11}
